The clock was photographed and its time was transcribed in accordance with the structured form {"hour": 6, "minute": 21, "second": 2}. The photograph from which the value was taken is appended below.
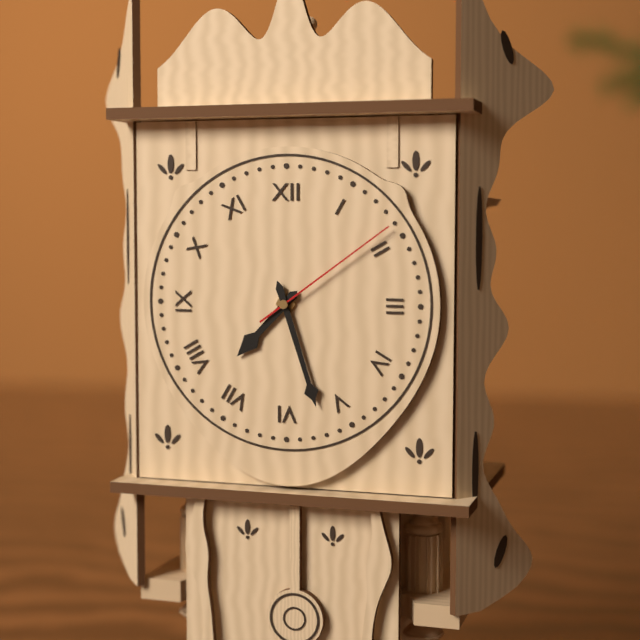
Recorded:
{"hour": 7, "minute": 27, "second": 9}
